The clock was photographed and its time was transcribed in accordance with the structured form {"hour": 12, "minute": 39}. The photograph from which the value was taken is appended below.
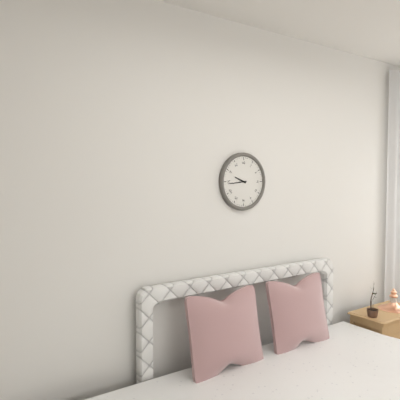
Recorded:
{"hour": 9, "minute": 44}
